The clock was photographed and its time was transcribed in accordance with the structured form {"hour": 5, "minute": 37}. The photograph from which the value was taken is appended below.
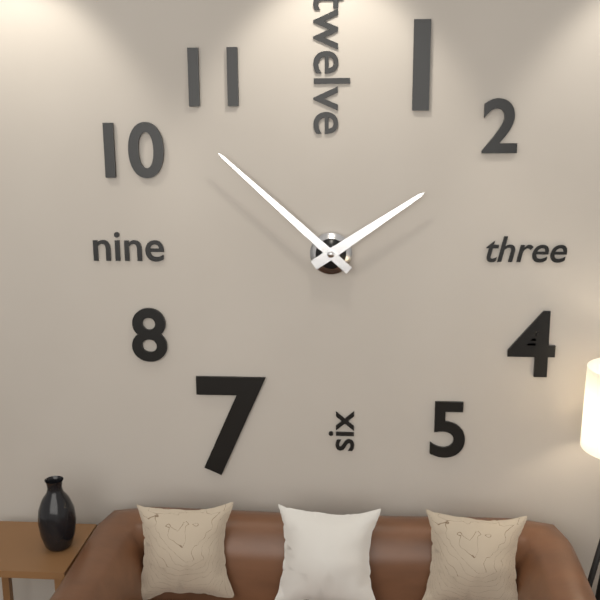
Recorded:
{"hour": 1, "minute": 52}
